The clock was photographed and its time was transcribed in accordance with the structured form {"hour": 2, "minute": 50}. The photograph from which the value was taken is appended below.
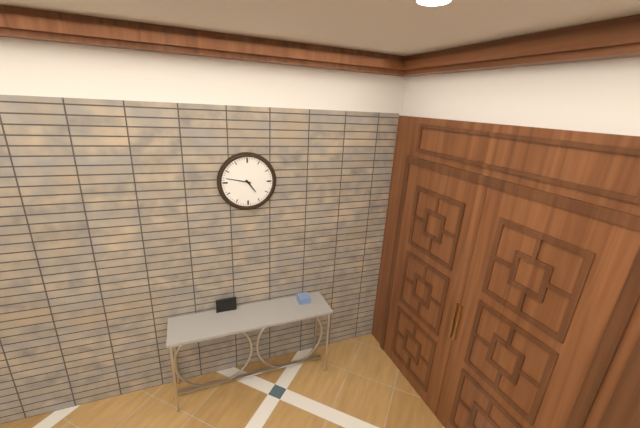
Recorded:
{"hour": 4, "minute": 47}
